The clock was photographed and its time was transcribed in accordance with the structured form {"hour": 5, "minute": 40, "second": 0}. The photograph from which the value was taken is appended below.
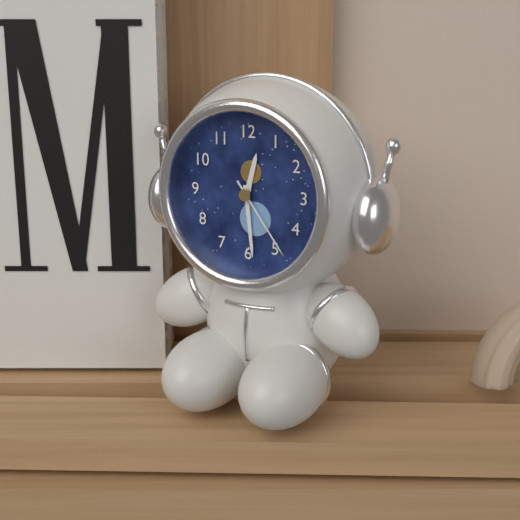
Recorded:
{"hour": 12, "minute": 29, "second": 24}
